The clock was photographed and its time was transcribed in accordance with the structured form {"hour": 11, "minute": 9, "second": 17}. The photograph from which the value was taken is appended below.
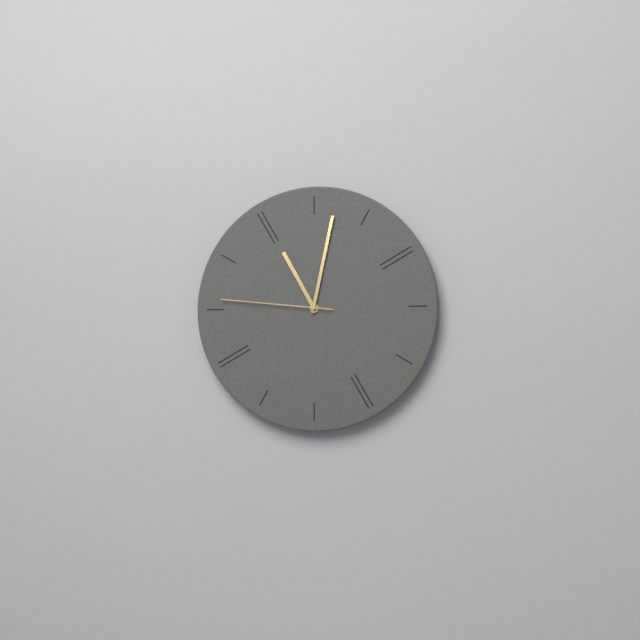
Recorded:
{"hour": 11, "minute": 2, "second": 46}
